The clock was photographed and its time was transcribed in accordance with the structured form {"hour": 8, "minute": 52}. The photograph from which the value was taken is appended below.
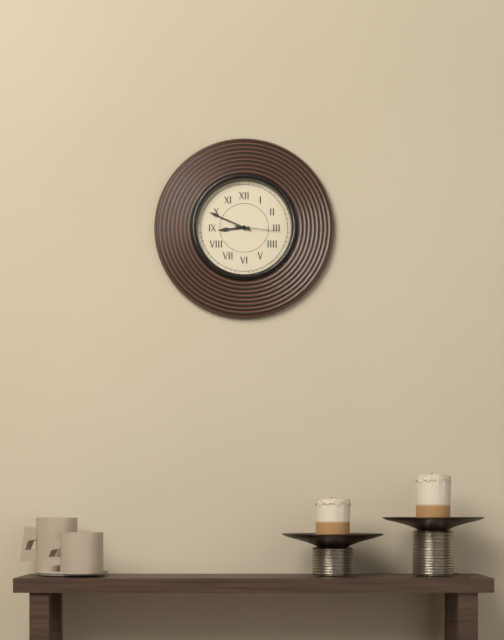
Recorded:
{"hour": 8, "minute": 49}
